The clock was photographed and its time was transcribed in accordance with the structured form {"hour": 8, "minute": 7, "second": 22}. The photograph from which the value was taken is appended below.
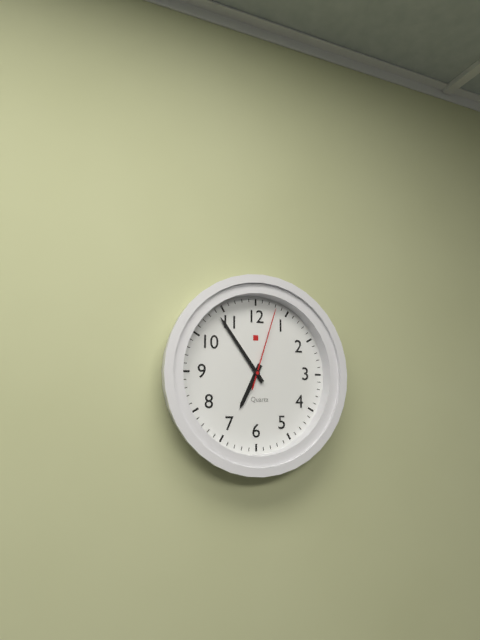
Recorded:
{"hour": 6, "minute": 54, "second": 3}
